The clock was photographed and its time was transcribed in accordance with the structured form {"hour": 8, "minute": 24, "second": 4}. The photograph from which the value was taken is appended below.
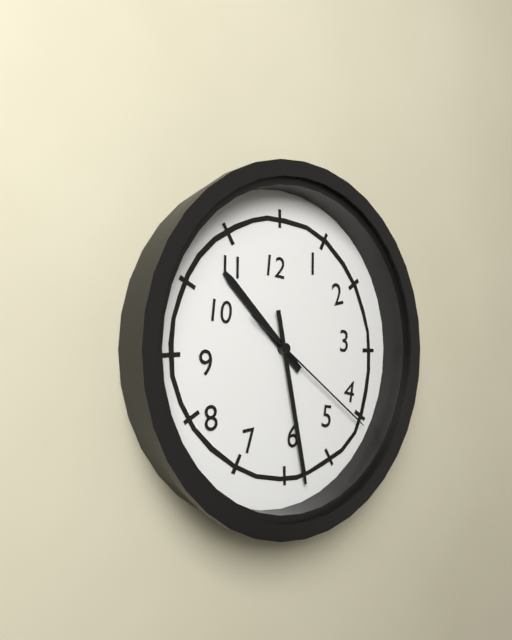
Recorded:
{"hour": 10, "minute": 28, "second": 21}
